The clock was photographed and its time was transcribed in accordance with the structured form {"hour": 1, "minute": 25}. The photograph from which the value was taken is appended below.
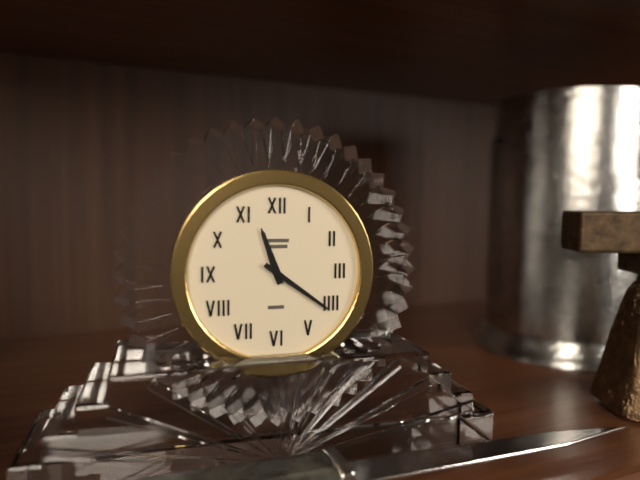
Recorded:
{"hour": 11, "minute": 21}
